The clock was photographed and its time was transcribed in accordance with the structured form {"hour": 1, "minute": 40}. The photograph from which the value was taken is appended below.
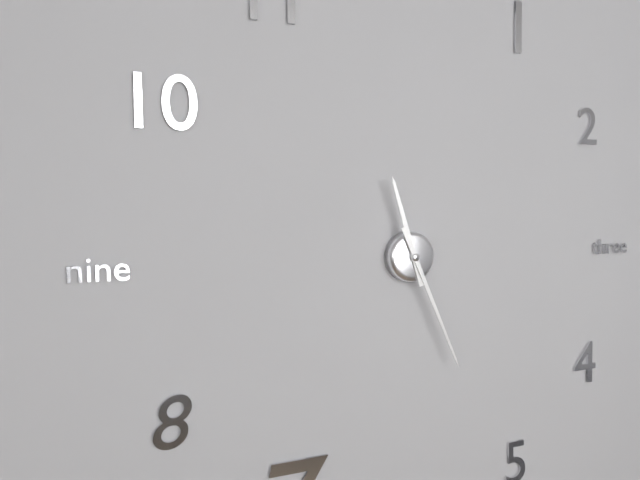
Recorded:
{"hour": 11, "minute": 26}
